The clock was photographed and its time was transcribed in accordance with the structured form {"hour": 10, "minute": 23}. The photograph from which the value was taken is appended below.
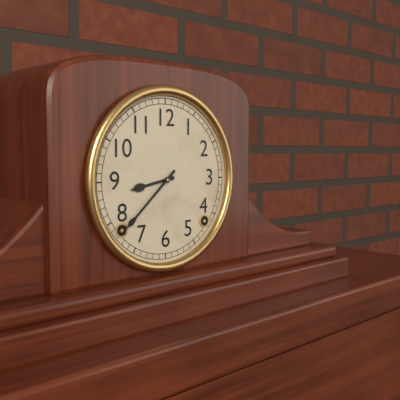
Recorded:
{"hour": 8, "minute": 38}
